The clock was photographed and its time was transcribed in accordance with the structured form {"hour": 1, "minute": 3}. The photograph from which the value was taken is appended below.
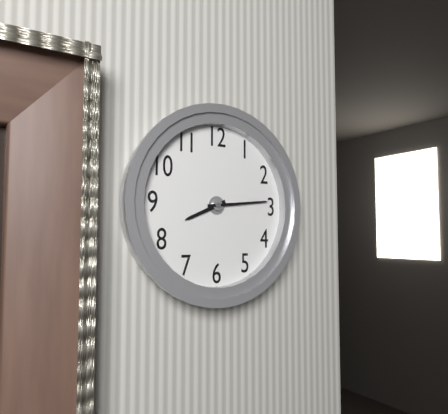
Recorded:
{"hour": 8, "minute": 14}
